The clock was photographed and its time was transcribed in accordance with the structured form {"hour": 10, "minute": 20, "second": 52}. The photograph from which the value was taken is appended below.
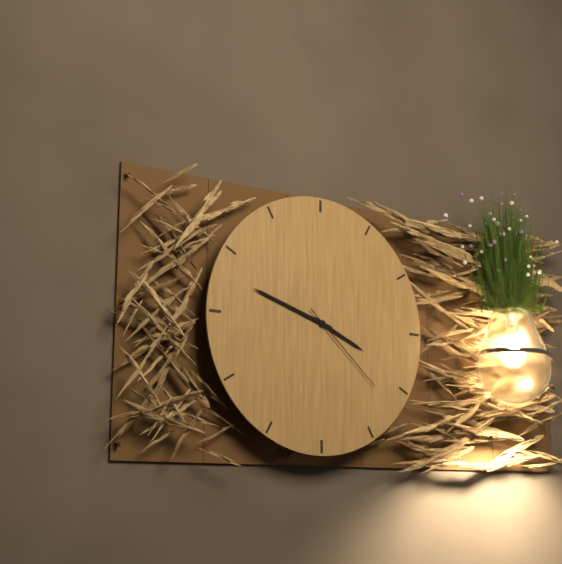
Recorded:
{"hour": 3, "minute": 48, "second": 22}
